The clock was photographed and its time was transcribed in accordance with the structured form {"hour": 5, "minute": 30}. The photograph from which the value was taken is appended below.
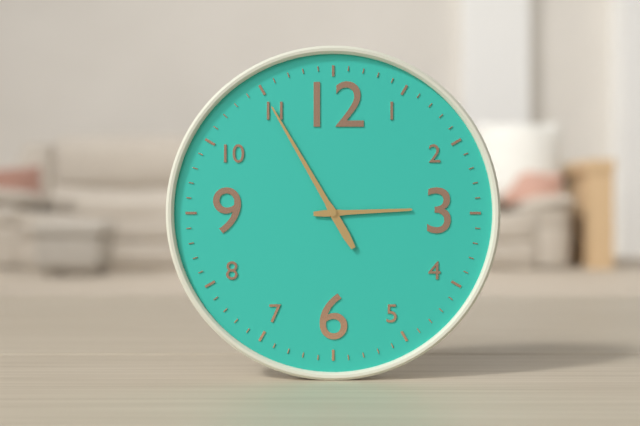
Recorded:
{"hour": 2, "minute": 55}
